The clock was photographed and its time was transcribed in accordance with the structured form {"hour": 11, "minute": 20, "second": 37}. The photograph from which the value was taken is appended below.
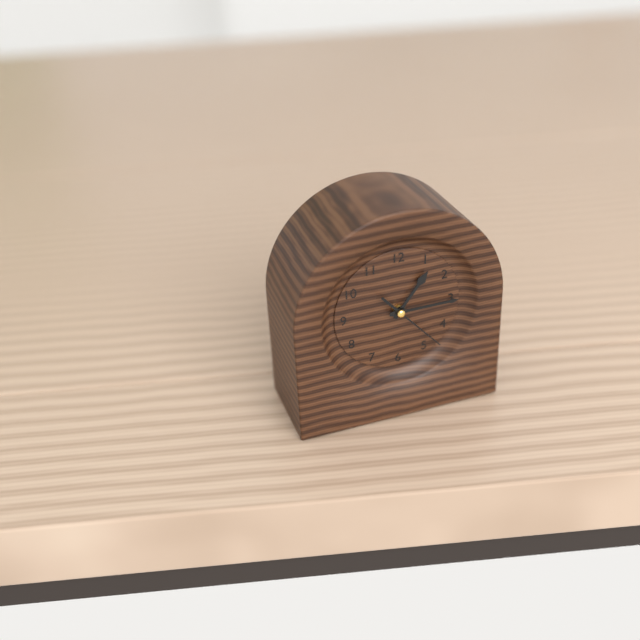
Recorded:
{"hour": 1, "minute": 15, "second": 23}
